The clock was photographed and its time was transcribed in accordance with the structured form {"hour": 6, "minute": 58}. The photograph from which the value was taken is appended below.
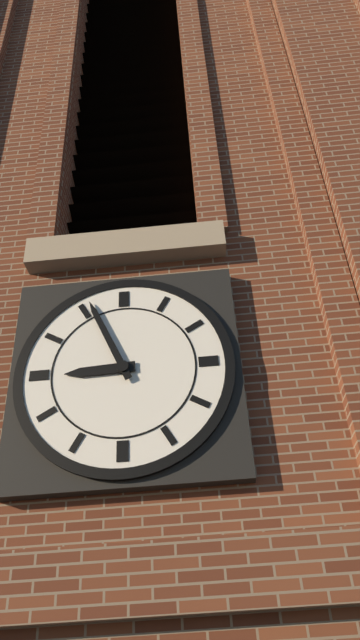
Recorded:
{"hour": 8, "minute": 56}
